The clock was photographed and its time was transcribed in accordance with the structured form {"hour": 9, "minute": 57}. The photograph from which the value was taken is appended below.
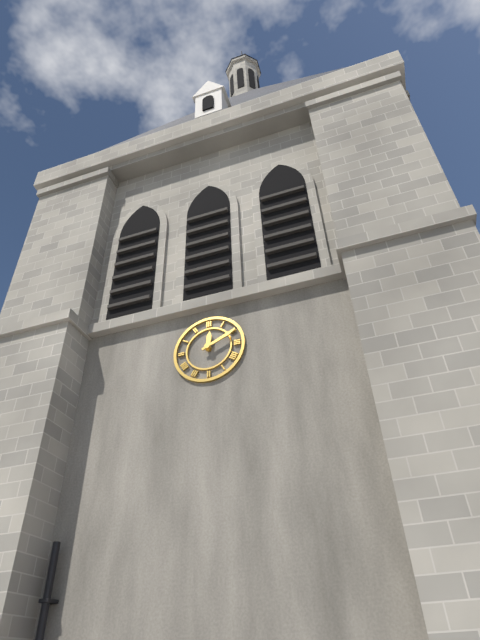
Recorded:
{"hour": 12, "minute": 11}
